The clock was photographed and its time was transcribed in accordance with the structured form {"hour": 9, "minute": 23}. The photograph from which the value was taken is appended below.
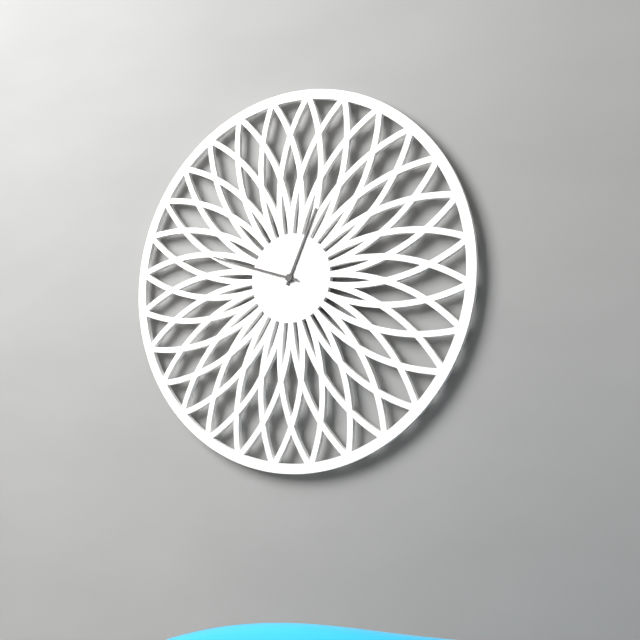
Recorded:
{"hour": 12, "minute": 48}
